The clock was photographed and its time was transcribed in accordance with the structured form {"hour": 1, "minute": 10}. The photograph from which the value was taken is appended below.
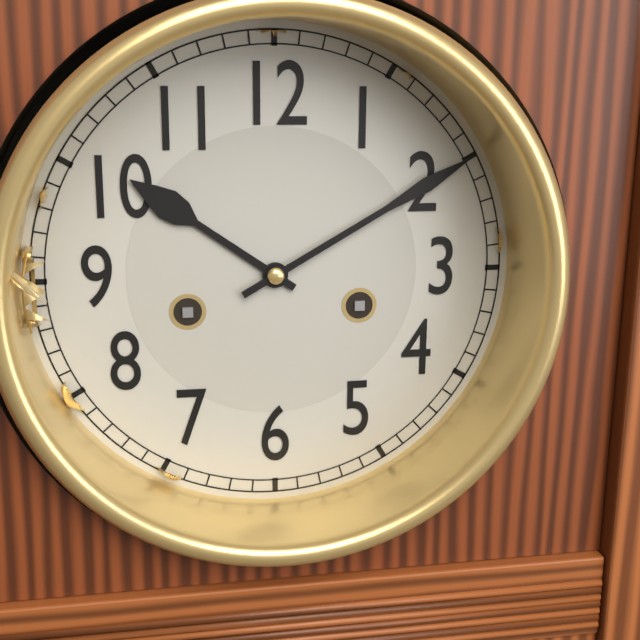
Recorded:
{"hour": 10, "minute": 10}
